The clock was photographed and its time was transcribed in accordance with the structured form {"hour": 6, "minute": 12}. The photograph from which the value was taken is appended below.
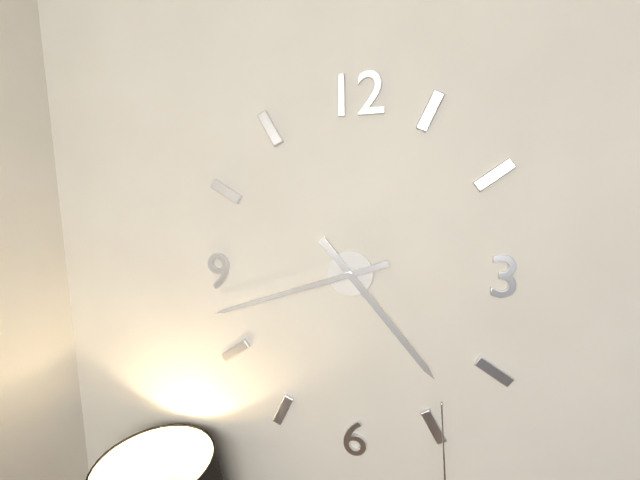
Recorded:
{"hour": 4, "minute": 42}
